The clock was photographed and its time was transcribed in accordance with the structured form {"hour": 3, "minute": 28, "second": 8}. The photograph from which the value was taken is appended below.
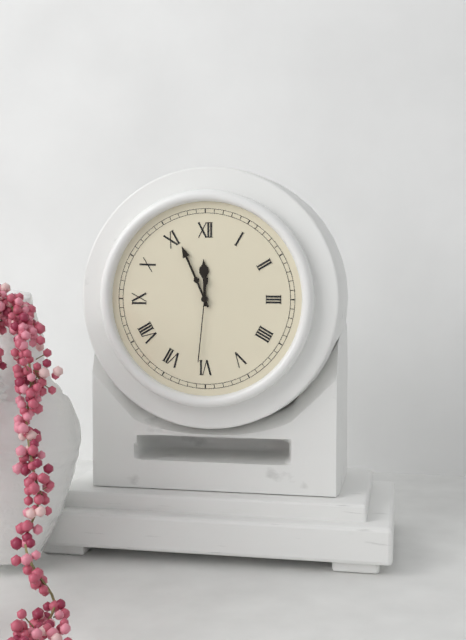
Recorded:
{"hour": 11, "minute": 56, "second": 31}
